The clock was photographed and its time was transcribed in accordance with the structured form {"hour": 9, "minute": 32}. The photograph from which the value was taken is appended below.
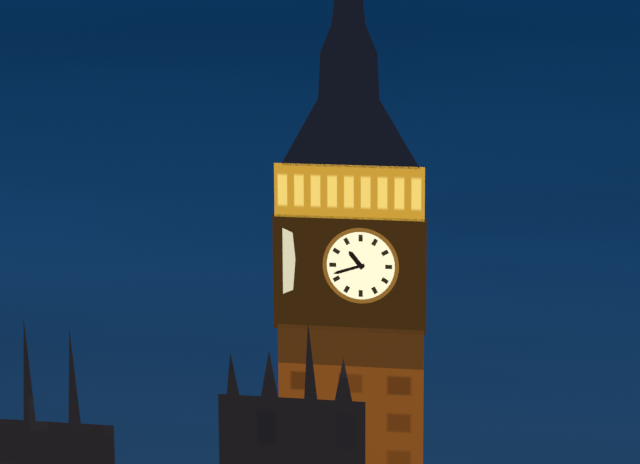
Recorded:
{"hour": 10, "minute": 42}
